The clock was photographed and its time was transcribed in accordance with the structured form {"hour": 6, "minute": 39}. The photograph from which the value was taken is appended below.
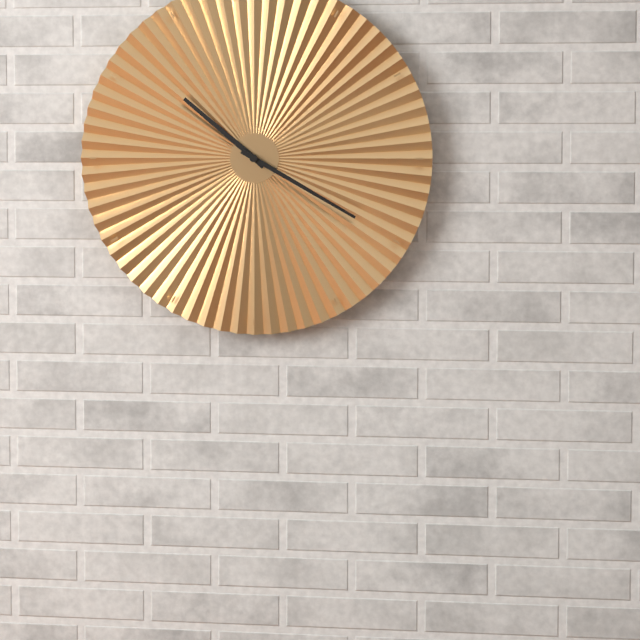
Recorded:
{"hour": 10, "minute": 20}
